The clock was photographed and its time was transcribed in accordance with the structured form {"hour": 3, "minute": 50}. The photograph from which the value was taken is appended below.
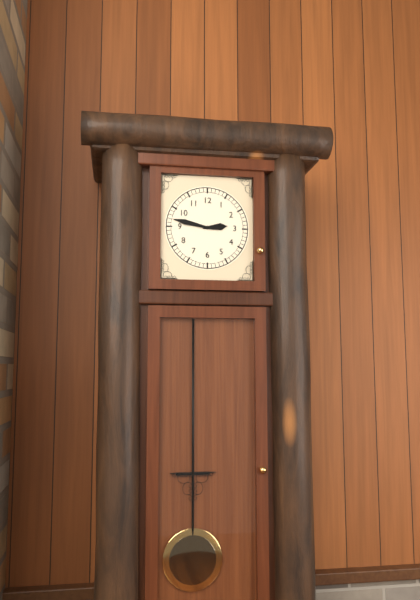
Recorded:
{"hour": 2, "minute": 47}
